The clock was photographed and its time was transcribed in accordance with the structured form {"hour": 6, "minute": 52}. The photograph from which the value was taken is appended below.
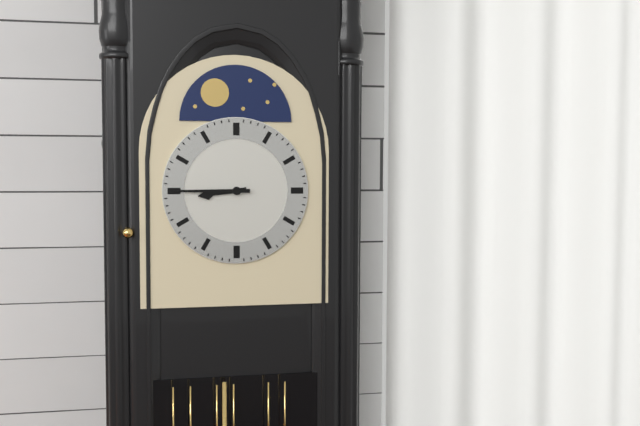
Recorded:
{"hour": 8, "minute": 45}
